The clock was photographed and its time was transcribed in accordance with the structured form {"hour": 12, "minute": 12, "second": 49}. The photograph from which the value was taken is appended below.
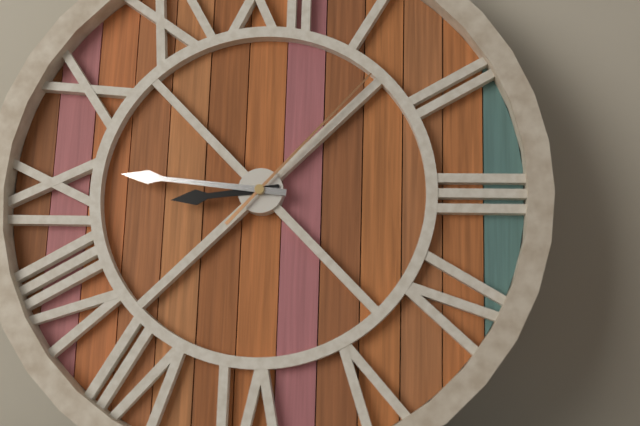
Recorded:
{"hour": 8, "minute": 46, "second": 7}
